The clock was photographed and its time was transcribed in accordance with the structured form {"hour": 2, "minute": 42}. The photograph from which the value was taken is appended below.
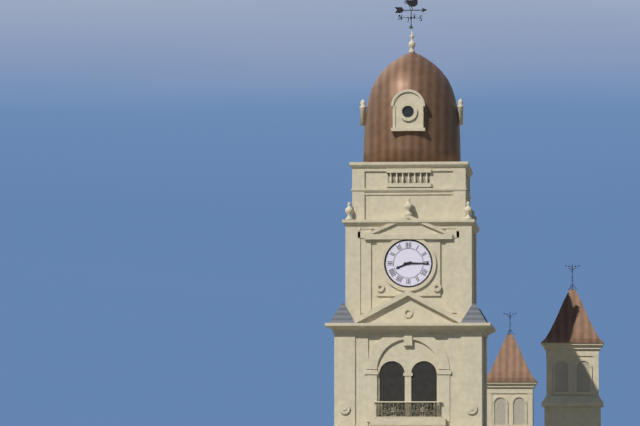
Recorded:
{"hour": 8, "minute": 15}
